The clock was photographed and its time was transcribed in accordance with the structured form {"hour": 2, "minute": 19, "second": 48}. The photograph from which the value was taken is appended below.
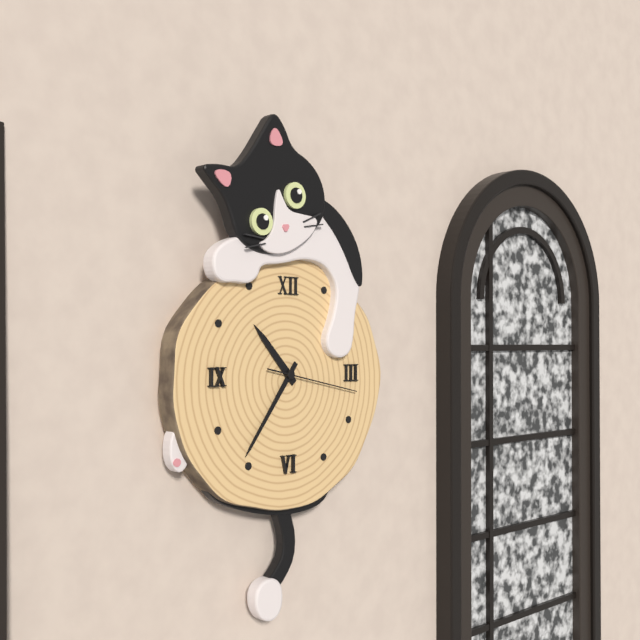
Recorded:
{"hour": 10, "minute": 36, "second": 17}
